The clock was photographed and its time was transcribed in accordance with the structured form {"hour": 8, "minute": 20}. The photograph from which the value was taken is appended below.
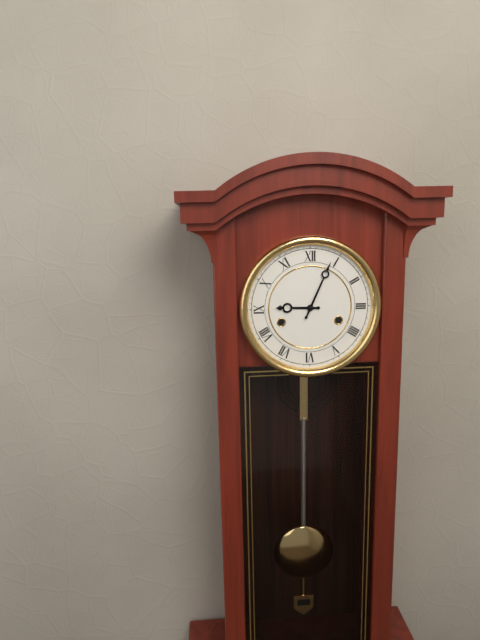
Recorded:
{"hour": 9, "minute": 4}
